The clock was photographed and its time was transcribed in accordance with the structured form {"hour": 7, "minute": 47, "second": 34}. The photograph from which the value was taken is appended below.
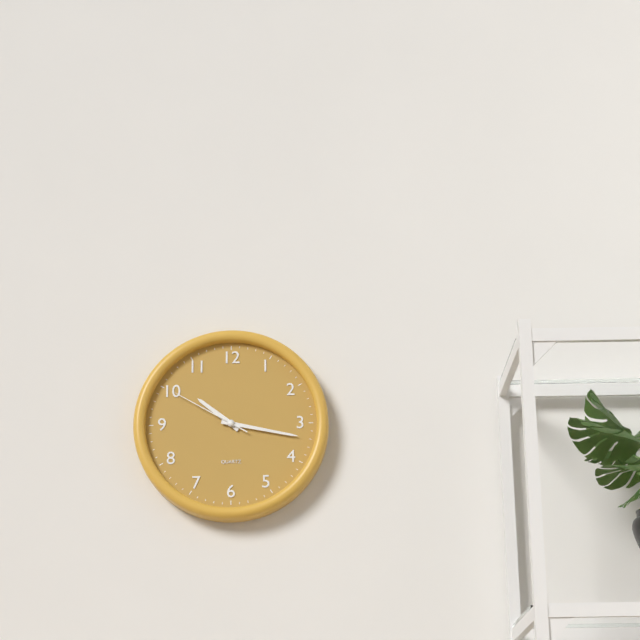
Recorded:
{"hour": 10, "minute": 17, "second": 50}
